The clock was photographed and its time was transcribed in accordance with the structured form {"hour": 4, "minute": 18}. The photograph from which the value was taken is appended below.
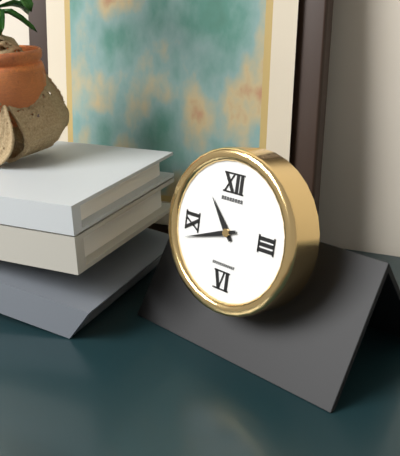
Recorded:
{"hour": 10, "minute": 42}
